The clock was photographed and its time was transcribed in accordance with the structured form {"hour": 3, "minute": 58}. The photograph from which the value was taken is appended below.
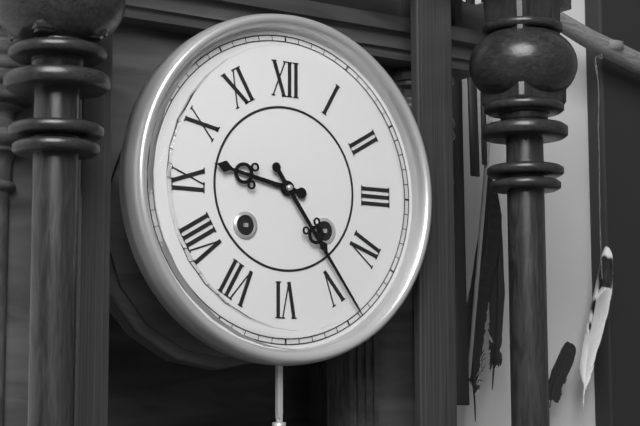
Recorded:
{"hour": 9, "minute": 24}
